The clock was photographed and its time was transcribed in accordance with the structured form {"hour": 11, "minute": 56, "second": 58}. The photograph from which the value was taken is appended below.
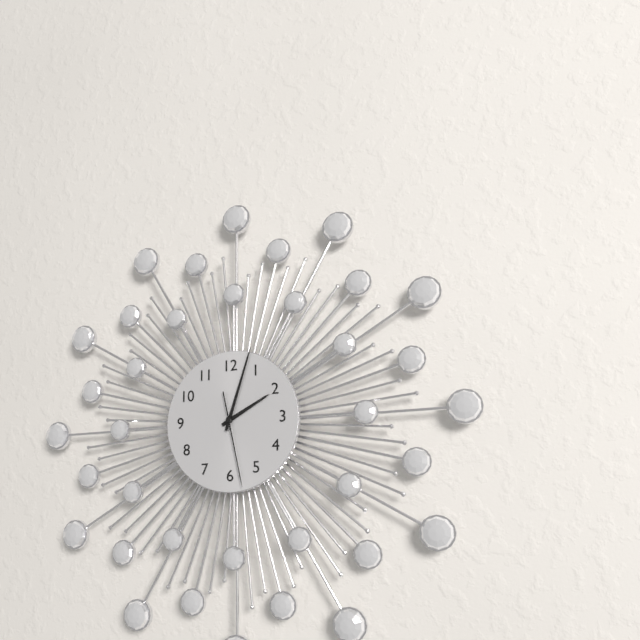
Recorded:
{"hour": 2, "minute": 3, "second": 28}
